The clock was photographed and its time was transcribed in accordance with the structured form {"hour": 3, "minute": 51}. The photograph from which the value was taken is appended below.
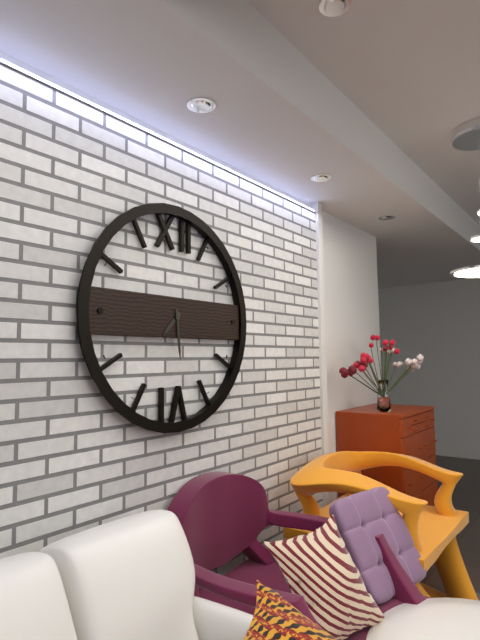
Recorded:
{"hour": 7, "minute": 29}
